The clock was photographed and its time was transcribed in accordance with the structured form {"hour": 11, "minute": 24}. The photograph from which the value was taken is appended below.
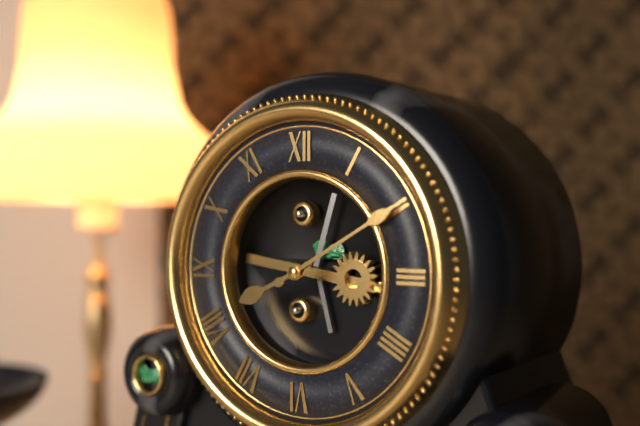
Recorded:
{"hour": 8, "minute": 10}
